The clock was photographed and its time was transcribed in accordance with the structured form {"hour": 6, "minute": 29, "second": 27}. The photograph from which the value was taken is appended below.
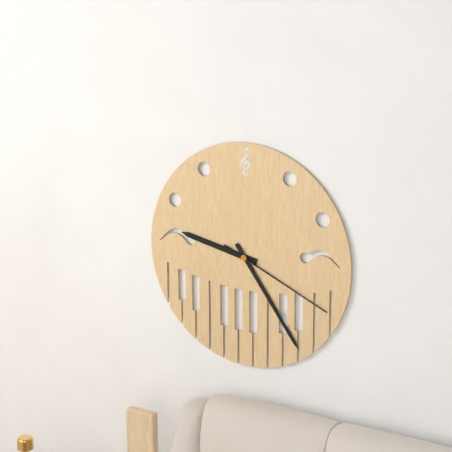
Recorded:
{"hour": 9, "minute": 24, "second": 19}
